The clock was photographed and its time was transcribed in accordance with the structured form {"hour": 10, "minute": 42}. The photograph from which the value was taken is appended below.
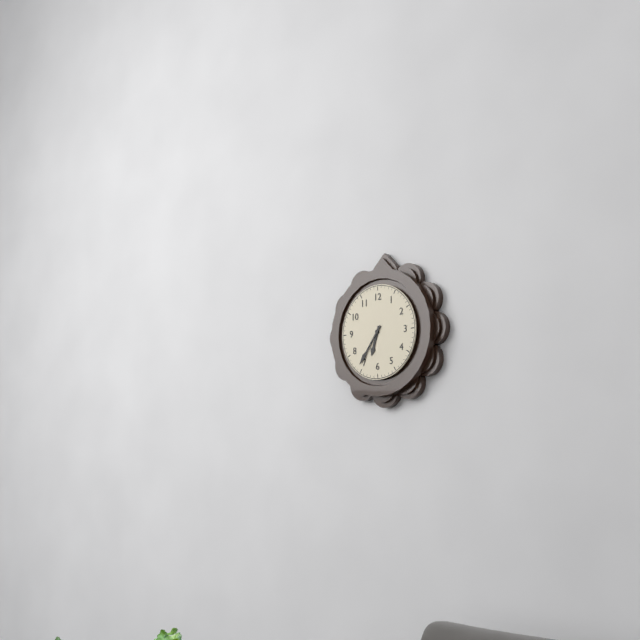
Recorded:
{"hour": 6, "minute": 36}
